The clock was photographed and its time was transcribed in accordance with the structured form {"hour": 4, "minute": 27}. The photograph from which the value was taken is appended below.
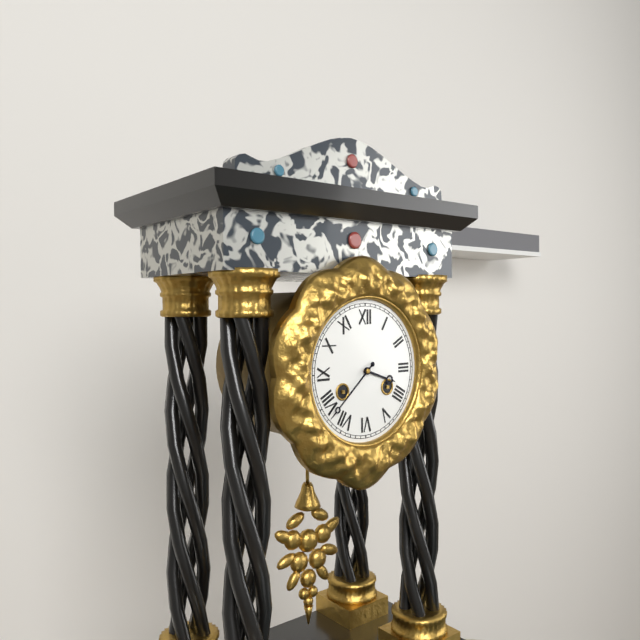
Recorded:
{"hour": 3, "minute": 38}
